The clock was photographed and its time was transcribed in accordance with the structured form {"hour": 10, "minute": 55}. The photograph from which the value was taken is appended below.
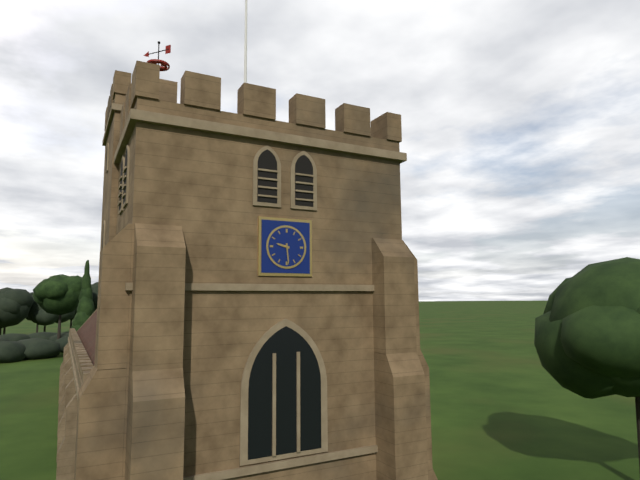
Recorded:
{"hour": 9, "minute": 29}
